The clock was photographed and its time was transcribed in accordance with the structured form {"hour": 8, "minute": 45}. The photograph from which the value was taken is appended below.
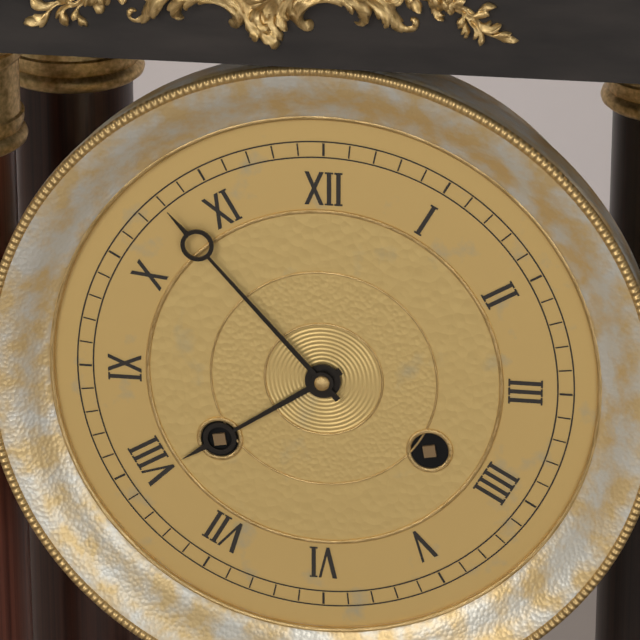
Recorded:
{"hour": 7, "minute": 53}
